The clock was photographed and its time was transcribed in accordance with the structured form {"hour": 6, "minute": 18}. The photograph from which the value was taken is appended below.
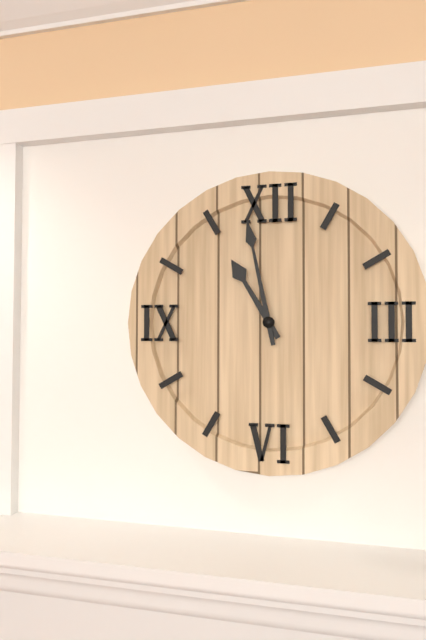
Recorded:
{"hour": 10, "minute": 58}
